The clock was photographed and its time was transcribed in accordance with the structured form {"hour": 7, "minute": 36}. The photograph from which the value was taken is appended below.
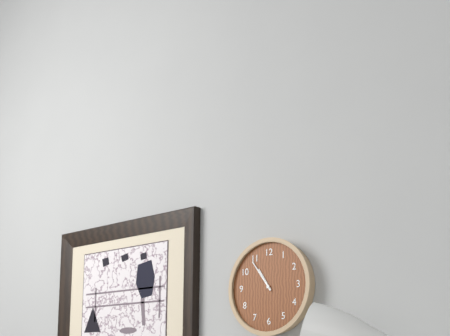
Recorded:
{"hour": 10, "minute": 54}
